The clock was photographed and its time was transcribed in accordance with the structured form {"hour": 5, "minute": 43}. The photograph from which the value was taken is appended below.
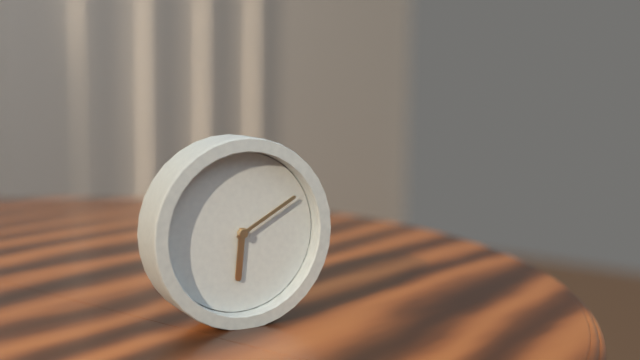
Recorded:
{"hour": 6, "minute": 10}
